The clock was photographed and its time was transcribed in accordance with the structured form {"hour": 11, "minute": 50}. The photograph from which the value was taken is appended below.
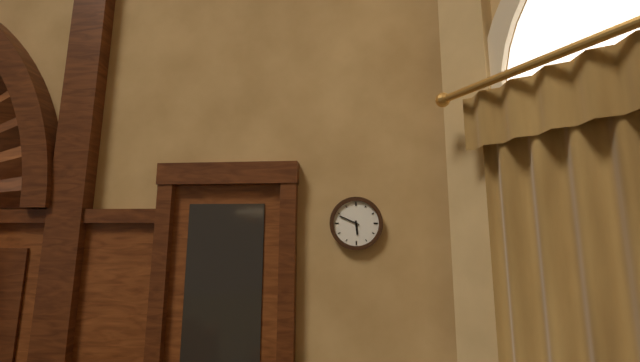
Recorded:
{"hour": 5, "minute": 49}
